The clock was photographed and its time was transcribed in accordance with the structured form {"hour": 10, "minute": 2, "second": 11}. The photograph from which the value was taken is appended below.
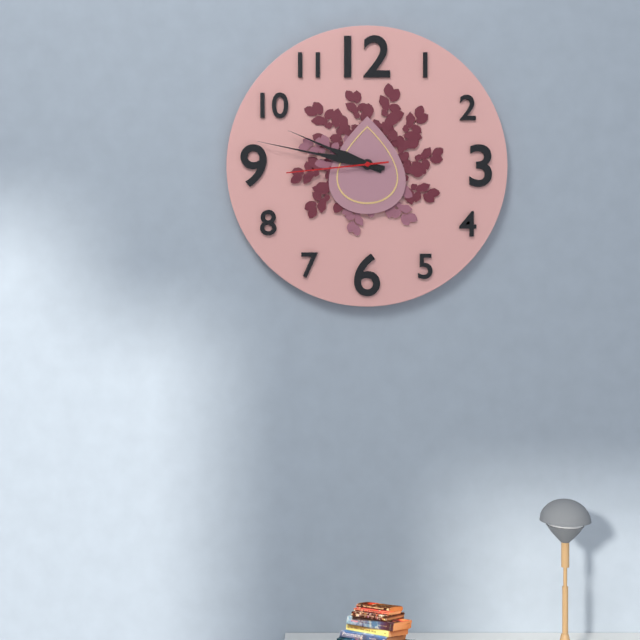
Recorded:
{"hour": 9, "minute": 47, "second": 44}
